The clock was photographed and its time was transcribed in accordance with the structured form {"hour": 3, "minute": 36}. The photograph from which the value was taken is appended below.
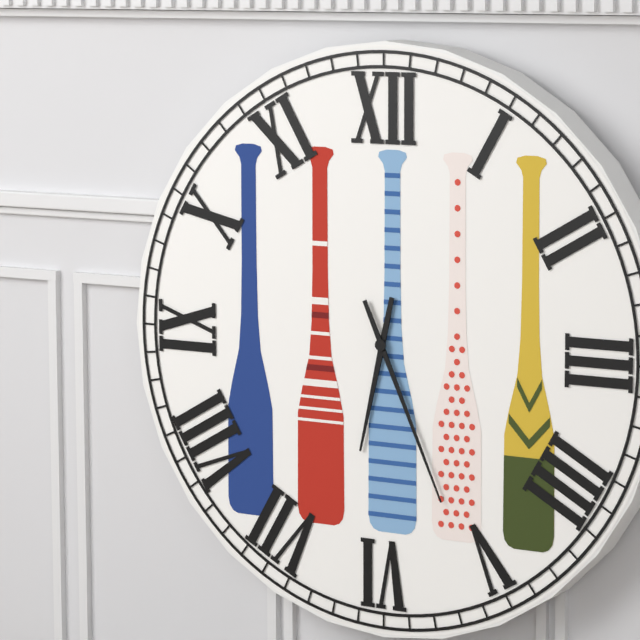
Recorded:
{"hour": 6, "minute": 26}
